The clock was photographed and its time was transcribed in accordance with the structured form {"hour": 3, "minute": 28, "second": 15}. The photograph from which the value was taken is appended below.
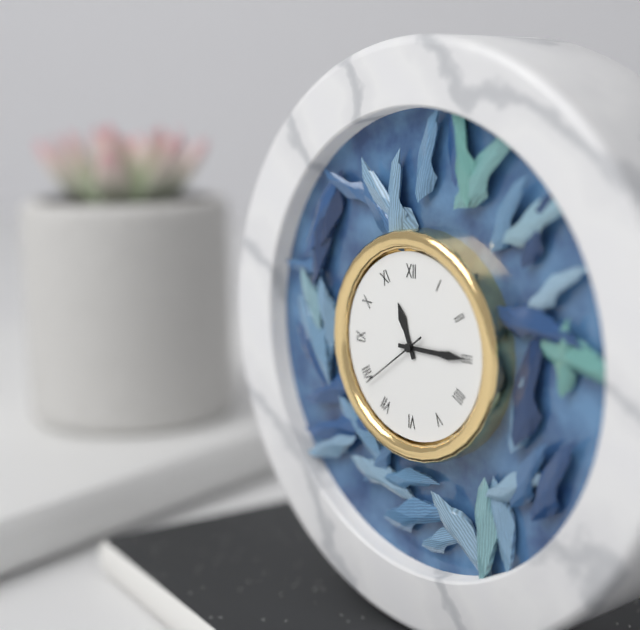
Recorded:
{"hour": 11, "minute": 15, "second": 39}
